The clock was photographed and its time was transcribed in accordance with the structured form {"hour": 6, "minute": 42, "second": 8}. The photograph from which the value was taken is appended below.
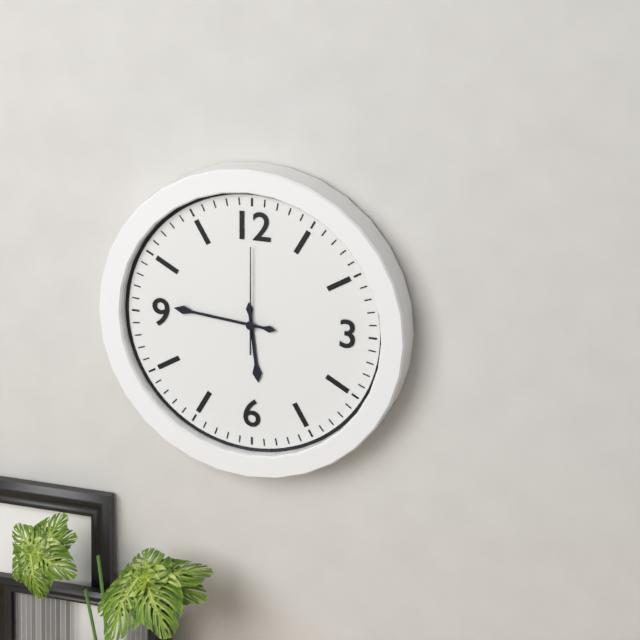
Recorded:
{"hour": 5, "minute": 46, "second": 0}
